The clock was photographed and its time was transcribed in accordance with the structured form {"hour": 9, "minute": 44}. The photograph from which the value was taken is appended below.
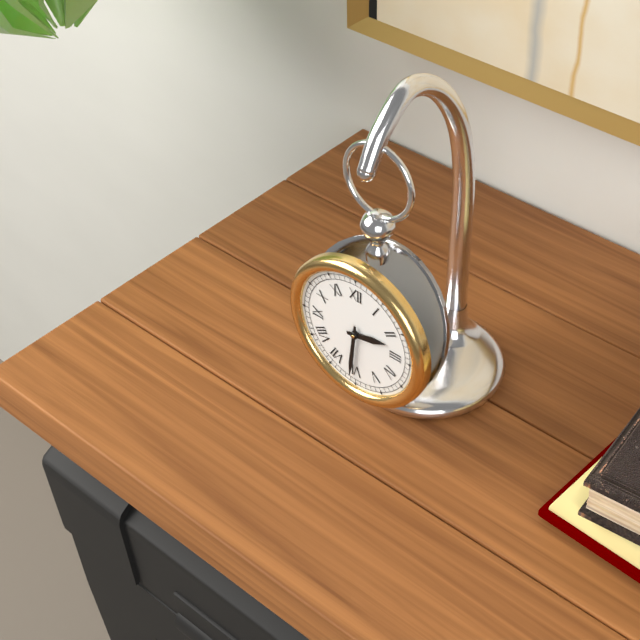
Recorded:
{"hour": 2, "minute": 31}
